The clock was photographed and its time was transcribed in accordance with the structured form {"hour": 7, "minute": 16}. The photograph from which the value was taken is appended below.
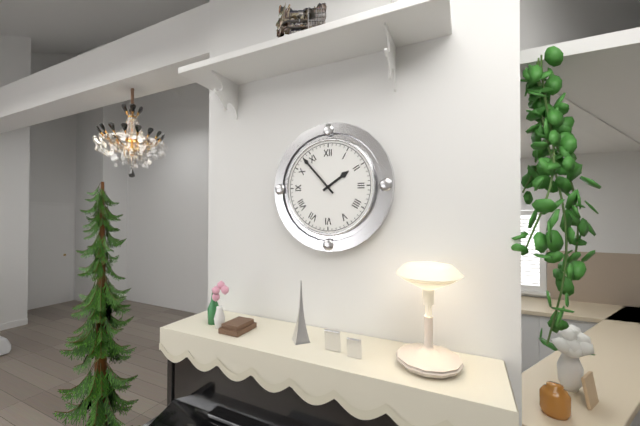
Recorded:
{"hour": 1, "minute": 53}
